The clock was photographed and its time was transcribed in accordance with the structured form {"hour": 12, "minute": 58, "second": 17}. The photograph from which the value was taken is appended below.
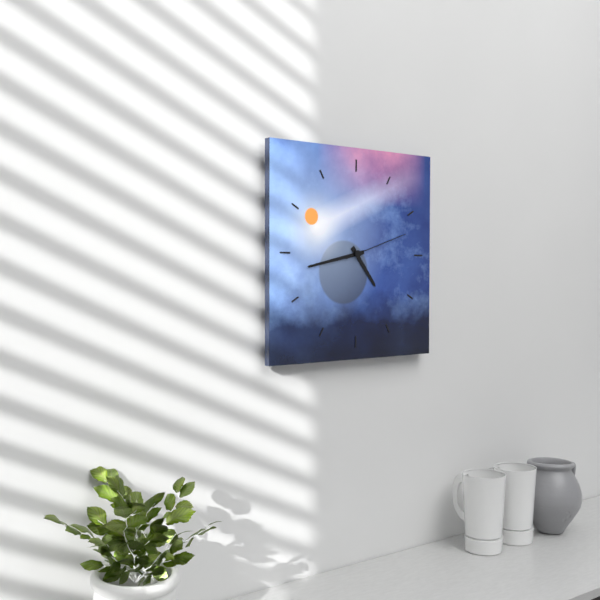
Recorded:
{"hour": 4, "minute": 43, "second": 12}
